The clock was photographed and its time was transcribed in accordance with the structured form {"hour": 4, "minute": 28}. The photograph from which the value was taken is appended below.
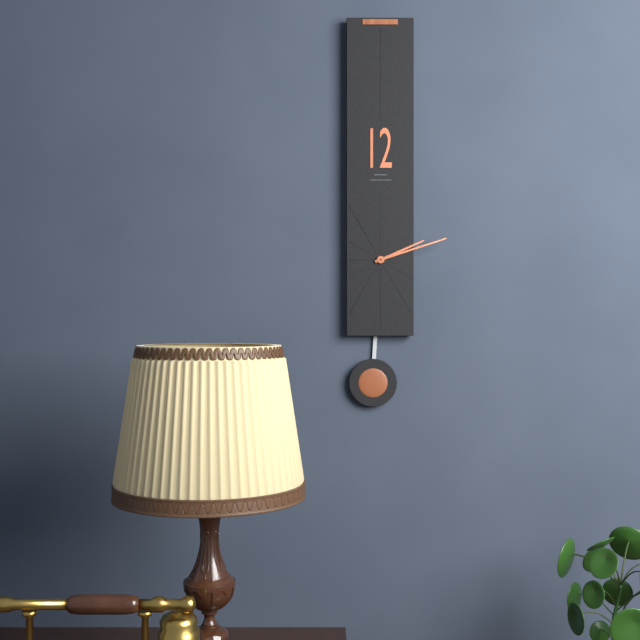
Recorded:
{"hour": 2, "minute": 12}
